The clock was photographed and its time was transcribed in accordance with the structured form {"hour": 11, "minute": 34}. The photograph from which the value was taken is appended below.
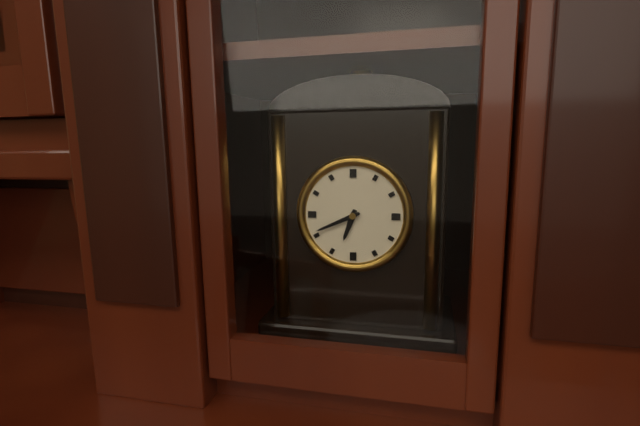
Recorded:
{"hour": 6, "minute": 41}
